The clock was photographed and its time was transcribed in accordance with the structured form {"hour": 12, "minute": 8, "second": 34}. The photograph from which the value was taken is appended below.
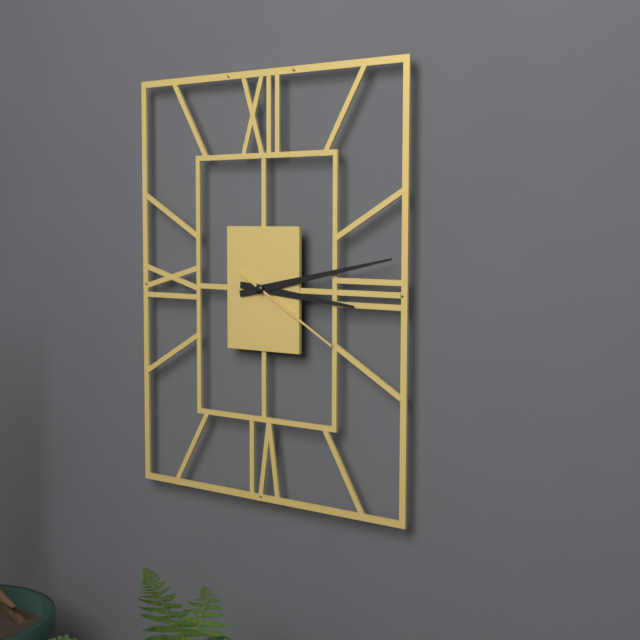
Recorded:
{"hour": 3, "minute": 13, "second": 20}
